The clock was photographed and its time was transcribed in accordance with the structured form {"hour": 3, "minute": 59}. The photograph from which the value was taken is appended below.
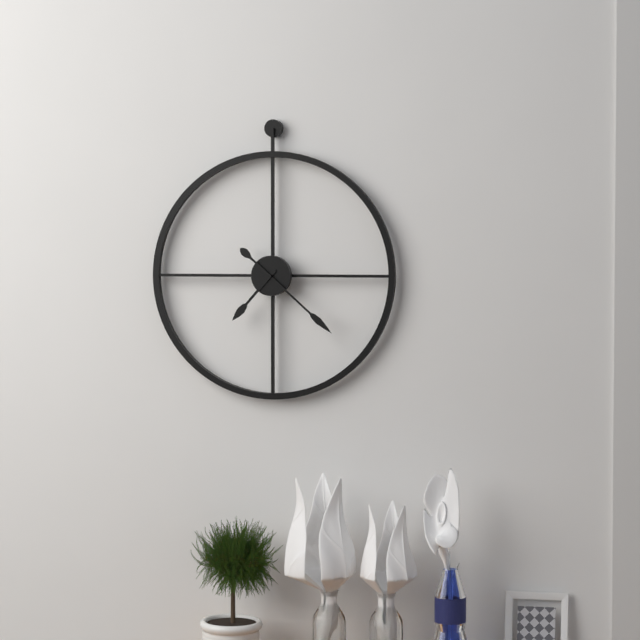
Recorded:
{"hour": 7, "minute": 22}
